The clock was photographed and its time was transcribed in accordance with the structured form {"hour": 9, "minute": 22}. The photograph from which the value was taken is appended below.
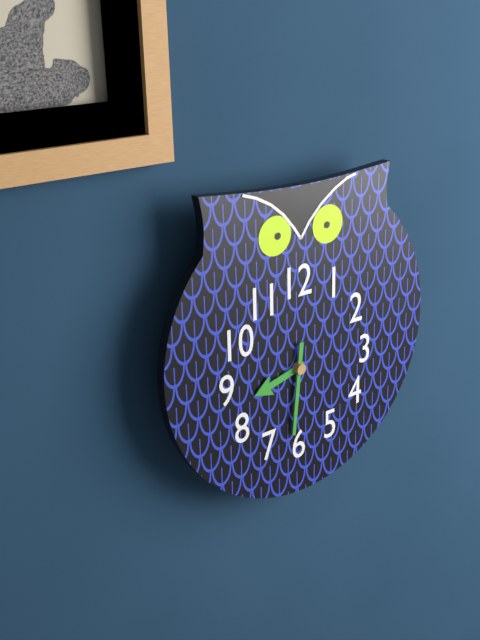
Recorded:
{"hour": 8, "minute": 31}
